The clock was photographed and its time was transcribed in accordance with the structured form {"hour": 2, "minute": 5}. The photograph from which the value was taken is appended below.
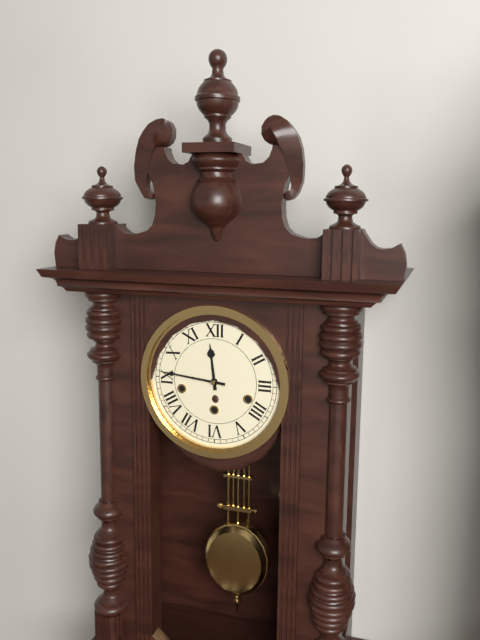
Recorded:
{"hour": 11, "minute": 46}
